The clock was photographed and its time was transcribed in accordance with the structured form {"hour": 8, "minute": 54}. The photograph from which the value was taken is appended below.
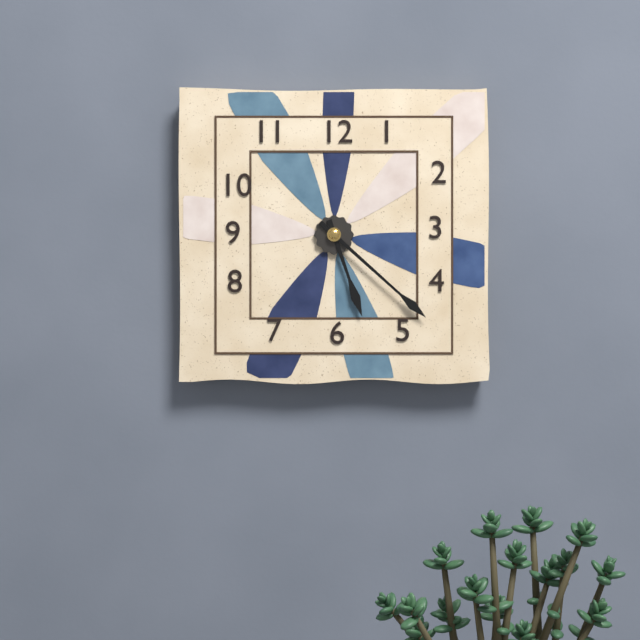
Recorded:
{"hour": 5, "minute": 22}
